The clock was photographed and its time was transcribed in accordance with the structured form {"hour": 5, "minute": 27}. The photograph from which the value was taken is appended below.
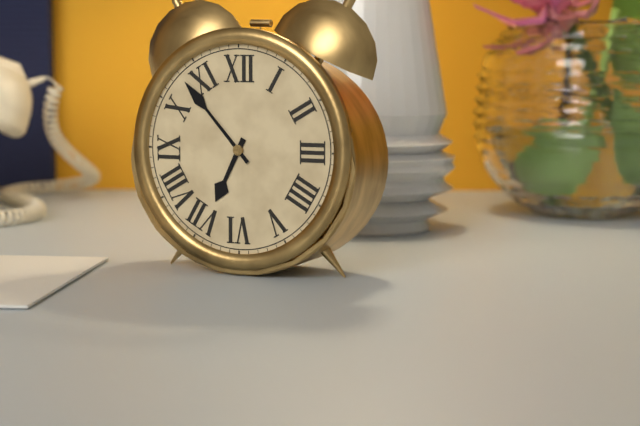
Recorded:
{"hour": 6, "minute": 53}
